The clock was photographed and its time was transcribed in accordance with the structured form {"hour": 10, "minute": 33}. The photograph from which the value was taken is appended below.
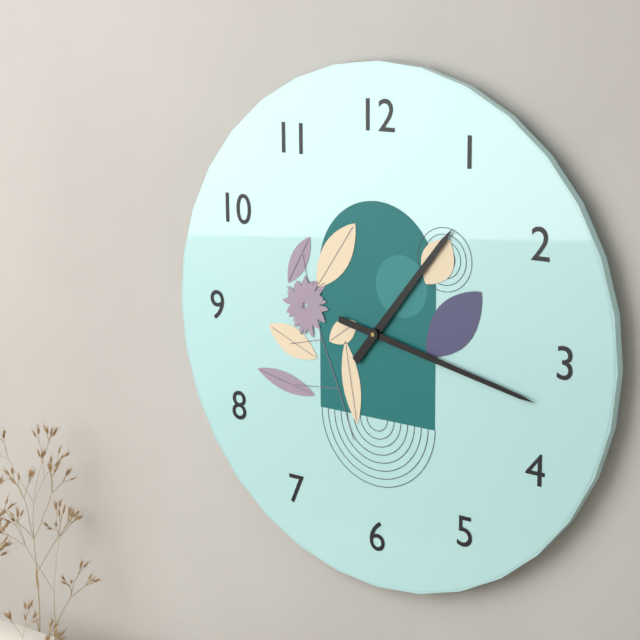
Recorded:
{"hour": 1, "minute": 17}
